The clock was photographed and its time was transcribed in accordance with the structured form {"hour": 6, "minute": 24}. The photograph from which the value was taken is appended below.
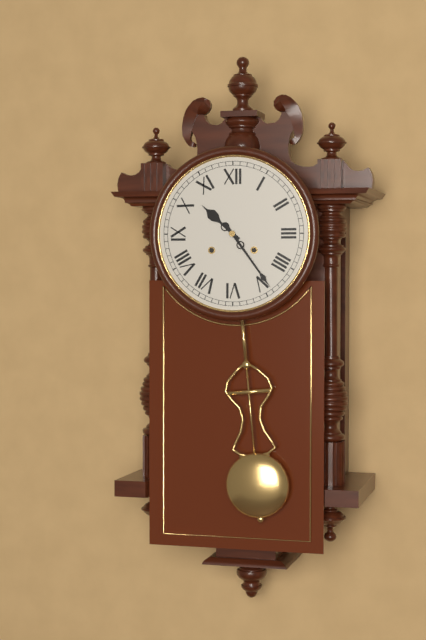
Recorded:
{"hour": 10, "minute": 24}
